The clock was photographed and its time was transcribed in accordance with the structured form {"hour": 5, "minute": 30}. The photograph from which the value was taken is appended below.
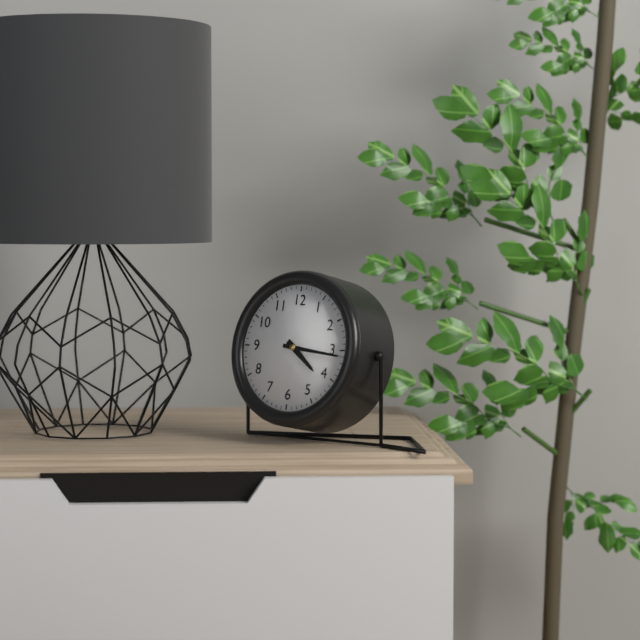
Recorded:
{"hour": 4, "minute": 16}
